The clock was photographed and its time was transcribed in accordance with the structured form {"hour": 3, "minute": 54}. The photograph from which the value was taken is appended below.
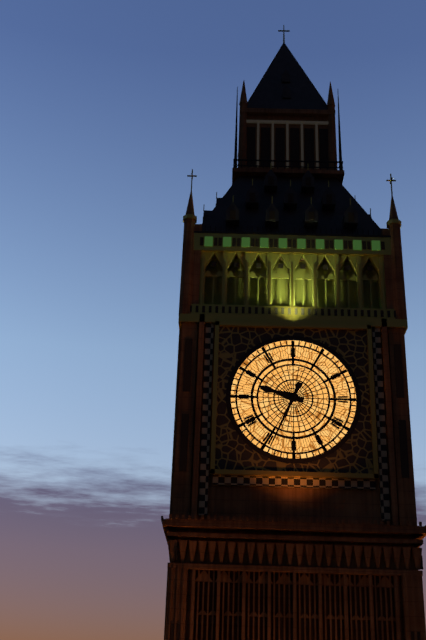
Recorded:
{"hour": 9, "minute": 34}
